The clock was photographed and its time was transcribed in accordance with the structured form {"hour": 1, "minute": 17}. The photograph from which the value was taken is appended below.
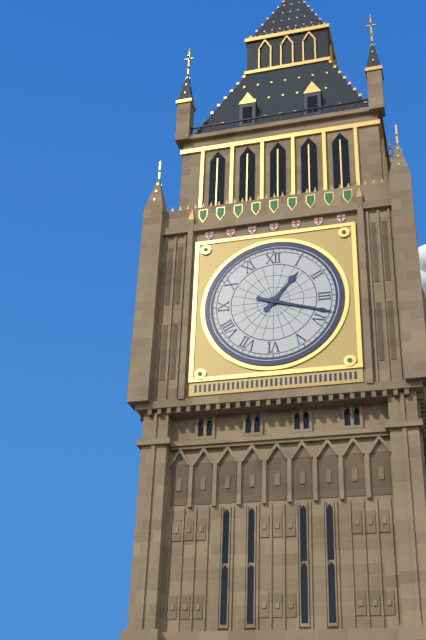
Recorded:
{"hour": 1, "minute": 18}
